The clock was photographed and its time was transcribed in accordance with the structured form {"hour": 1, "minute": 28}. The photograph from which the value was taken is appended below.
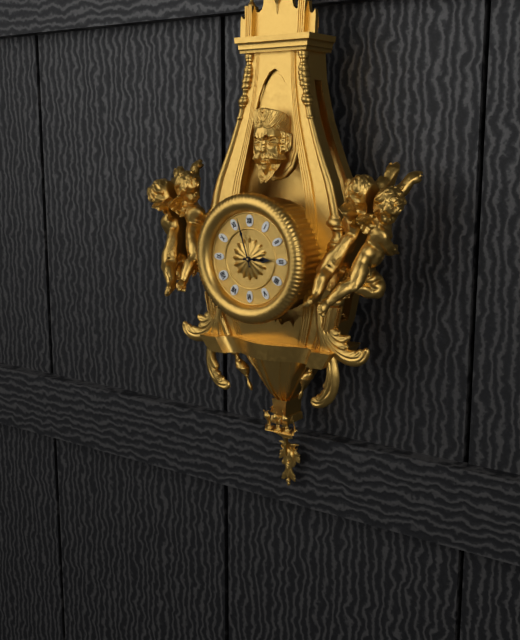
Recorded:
{"hour": 2, "minute": 57}
